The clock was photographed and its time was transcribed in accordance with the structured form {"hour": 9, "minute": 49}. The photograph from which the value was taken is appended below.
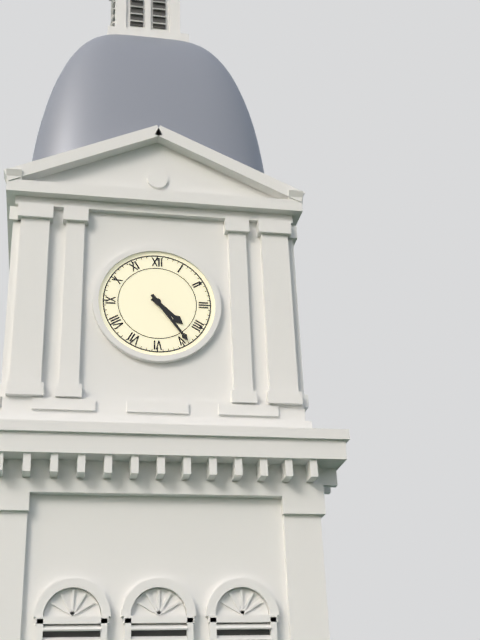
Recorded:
{"hour": 4, "minute": 24}
